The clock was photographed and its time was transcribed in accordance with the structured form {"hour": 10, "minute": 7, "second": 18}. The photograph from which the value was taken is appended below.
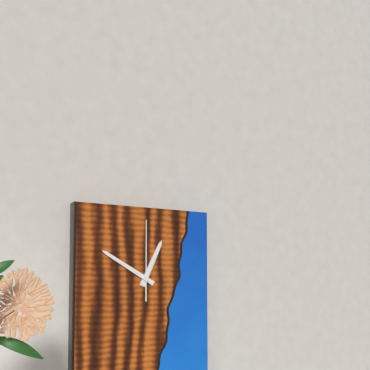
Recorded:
{"hour": 12, "minute": 50, "second": 0}
